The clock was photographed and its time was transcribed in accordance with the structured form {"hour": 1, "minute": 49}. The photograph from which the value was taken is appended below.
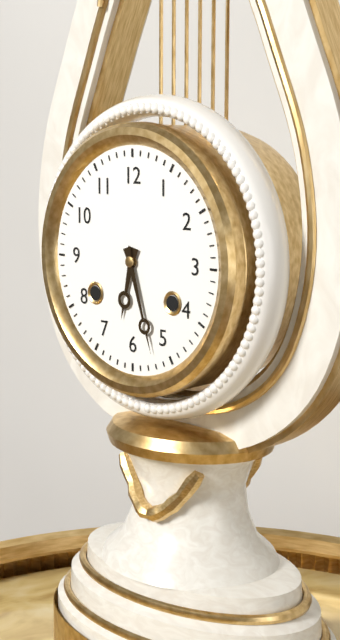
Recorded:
{"hour": 6, "minute": 27}
